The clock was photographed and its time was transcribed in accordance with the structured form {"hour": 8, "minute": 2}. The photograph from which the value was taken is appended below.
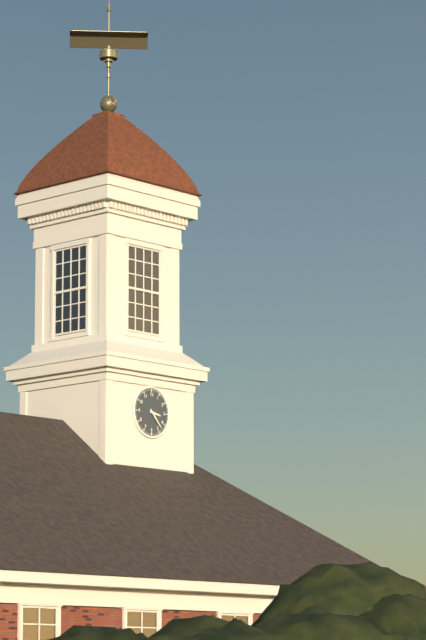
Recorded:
{"hour": 3, "minute": 23}
